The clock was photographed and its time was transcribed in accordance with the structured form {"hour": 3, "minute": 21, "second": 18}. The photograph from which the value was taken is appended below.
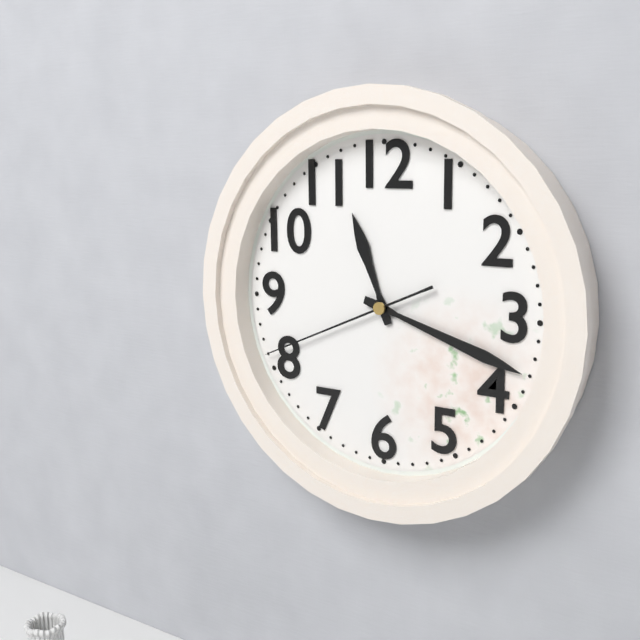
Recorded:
{"hour": 11, "minute": 18, "second": 41}
